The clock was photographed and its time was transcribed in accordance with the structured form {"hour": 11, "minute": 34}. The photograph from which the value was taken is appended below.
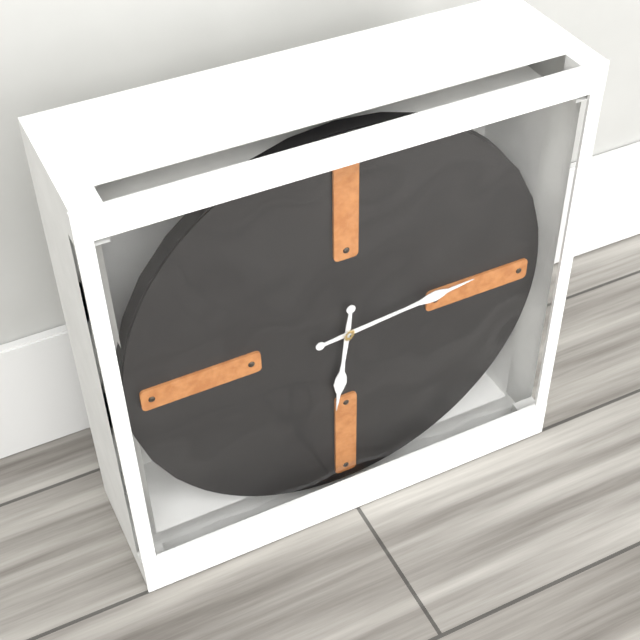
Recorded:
{"hour": 6, "minute": 14}
